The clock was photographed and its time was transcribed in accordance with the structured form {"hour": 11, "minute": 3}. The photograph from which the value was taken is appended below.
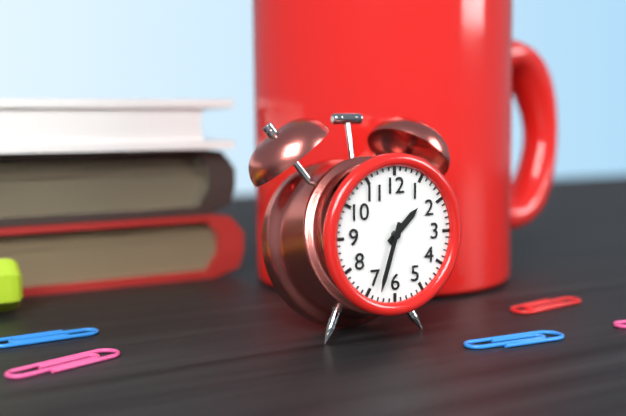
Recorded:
{"hour": 1, "minute": 33}
